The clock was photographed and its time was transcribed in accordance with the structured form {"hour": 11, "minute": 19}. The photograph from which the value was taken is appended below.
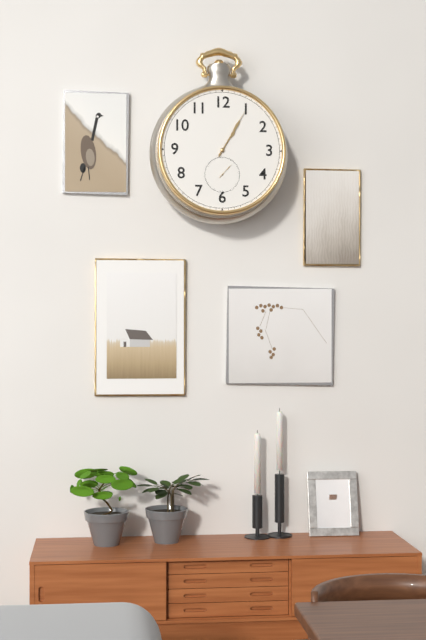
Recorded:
{"hour": 1, "minute": 5}
